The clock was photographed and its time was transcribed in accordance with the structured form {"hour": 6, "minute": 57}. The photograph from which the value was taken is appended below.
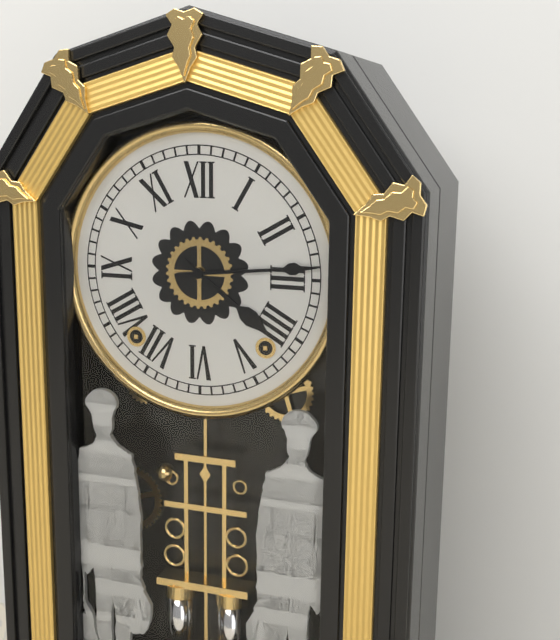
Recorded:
{"hour": 4, "minute": 14}
